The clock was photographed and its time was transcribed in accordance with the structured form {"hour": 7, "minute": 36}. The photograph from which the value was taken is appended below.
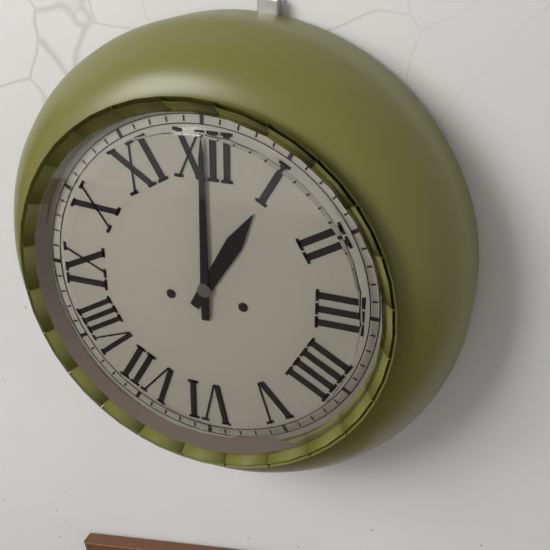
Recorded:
{"hour": 1, "minute": 0}
